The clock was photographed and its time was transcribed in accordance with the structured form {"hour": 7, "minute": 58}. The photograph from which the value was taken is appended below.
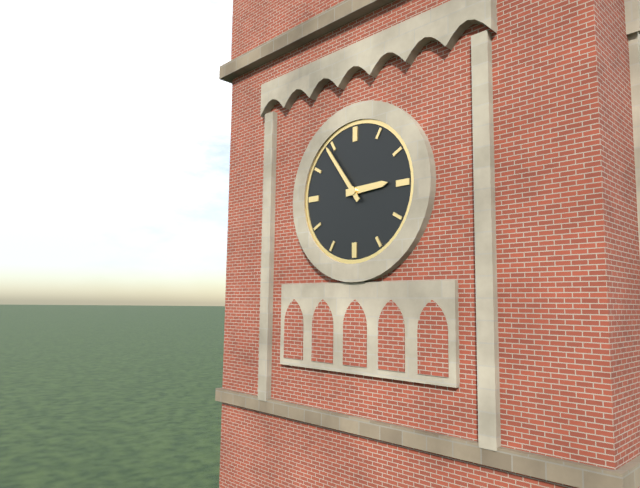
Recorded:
{"hour": 2, "minute": 54}
